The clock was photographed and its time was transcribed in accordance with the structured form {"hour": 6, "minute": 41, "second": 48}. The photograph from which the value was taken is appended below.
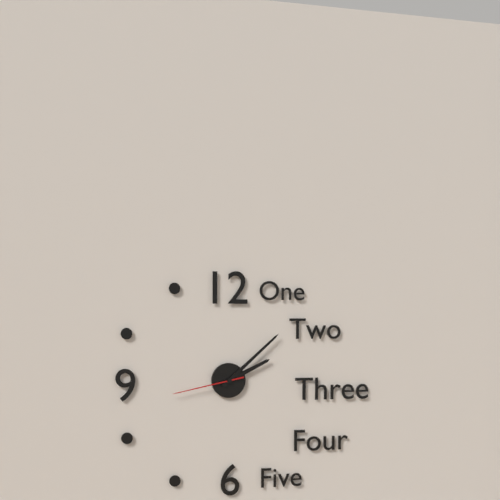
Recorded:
{"hour": 2, "minute": 8, "second": 43}
